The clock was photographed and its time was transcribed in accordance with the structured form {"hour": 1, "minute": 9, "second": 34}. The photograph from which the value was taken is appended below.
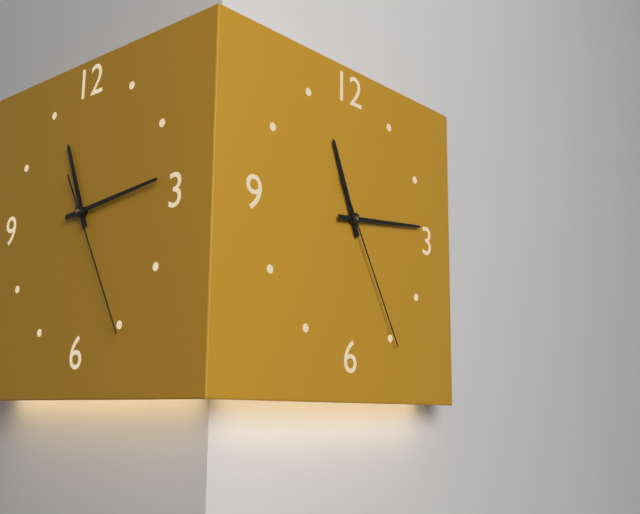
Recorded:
{"hour": 11, "minute": 14, "second": 25}
